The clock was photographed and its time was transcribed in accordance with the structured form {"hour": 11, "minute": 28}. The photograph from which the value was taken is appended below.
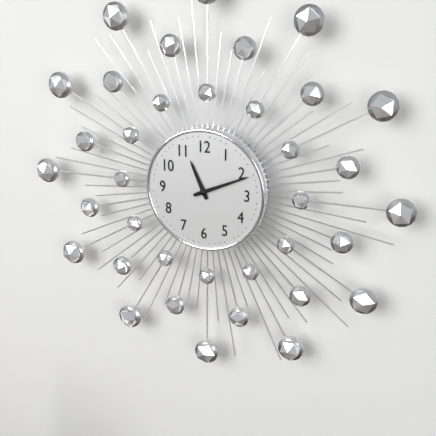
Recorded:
{"hour": 11, "minute": 11}
